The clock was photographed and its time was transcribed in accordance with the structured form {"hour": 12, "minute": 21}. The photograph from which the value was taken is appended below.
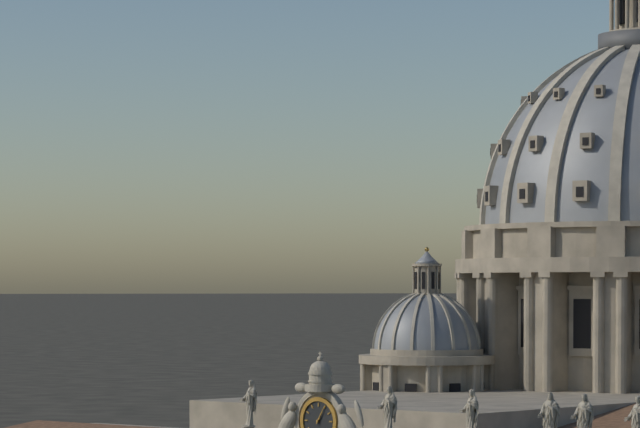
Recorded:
{"hour": 1, "minute": 5}
